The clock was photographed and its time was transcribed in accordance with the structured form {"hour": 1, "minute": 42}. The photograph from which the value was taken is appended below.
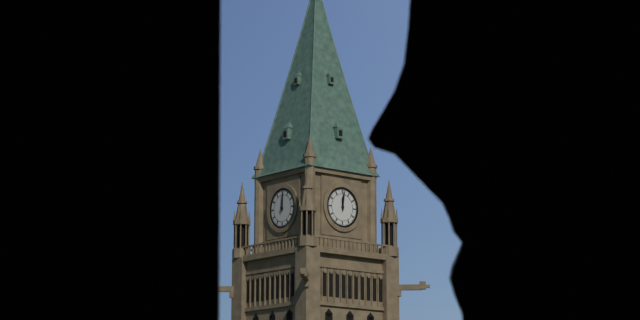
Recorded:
{"hour": 12, "minute": 1}
